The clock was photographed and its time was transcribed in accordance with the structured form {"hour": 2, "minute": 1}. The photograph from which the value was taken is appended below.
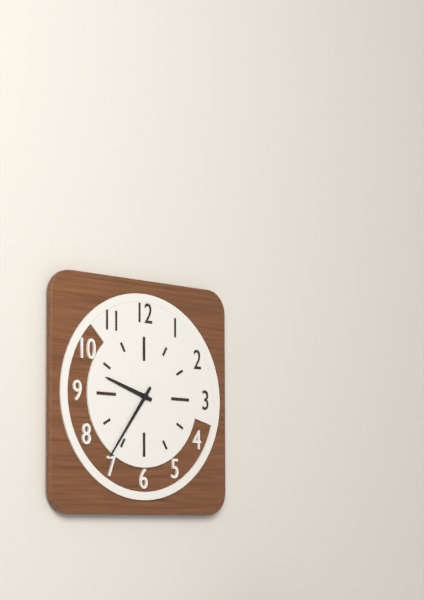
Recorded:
{"hour": 9, "minute": 36}
